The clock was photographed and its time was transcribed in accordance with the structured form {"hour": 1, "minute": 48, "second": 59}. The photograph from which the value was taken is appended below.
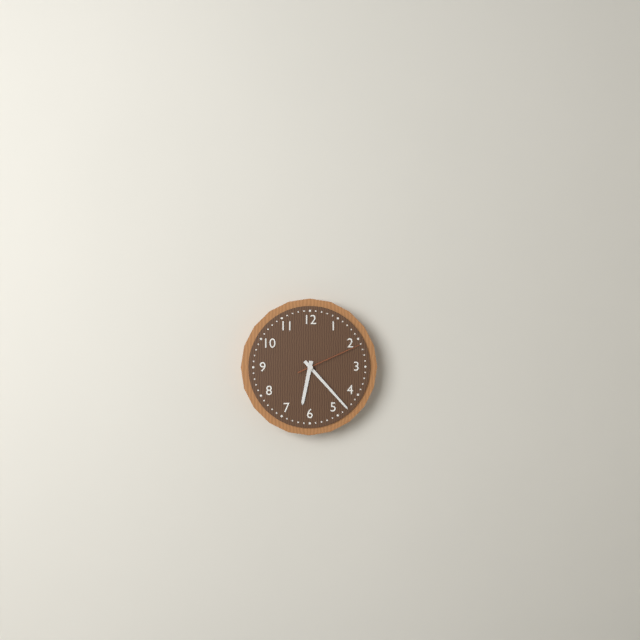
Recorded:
{"hour": 6, "minute": 23, "second": 11}
